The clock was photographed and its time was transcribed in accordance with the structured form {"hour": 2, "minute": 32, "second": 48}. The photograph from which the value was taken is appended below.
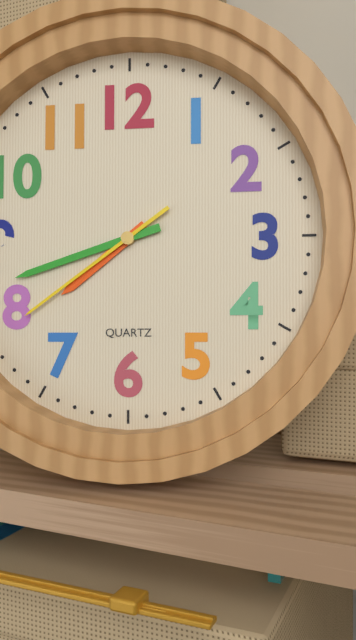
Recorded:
{"hour": 7, "minute": 42, "second": 39}
